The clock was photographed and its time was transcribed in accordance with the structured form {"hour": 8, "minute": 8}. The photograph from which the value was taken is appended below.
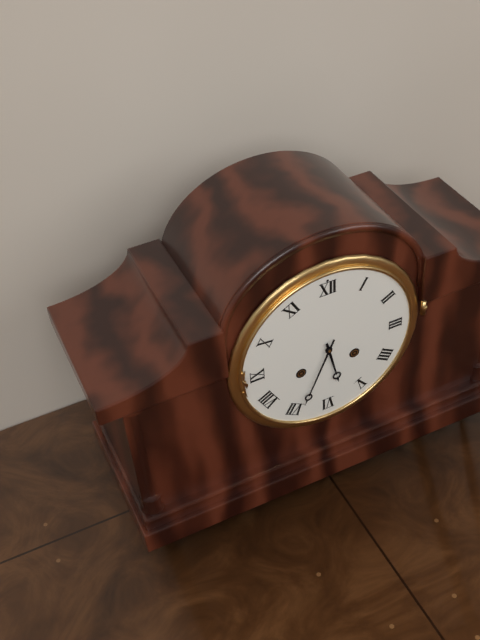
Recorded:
{"hour": 5, "minute": 34}
